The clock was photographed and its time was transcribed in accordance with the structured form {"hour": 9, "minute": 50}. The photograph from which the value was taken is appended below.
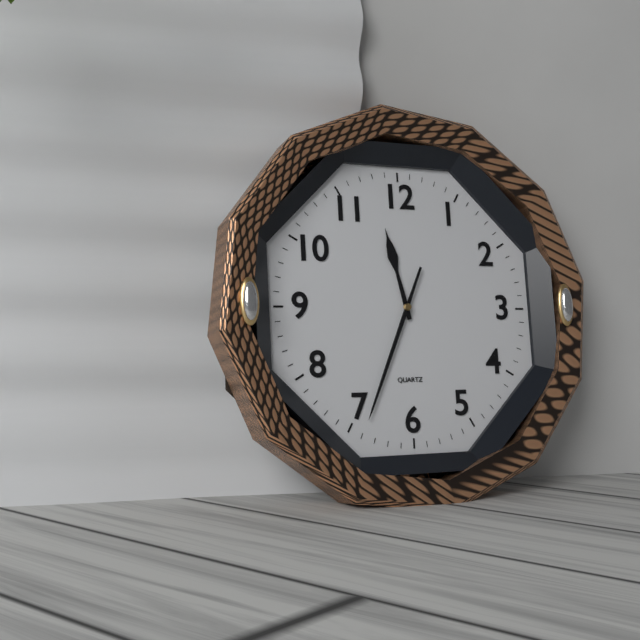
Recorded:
{"hour": 11, "minute": 34}
